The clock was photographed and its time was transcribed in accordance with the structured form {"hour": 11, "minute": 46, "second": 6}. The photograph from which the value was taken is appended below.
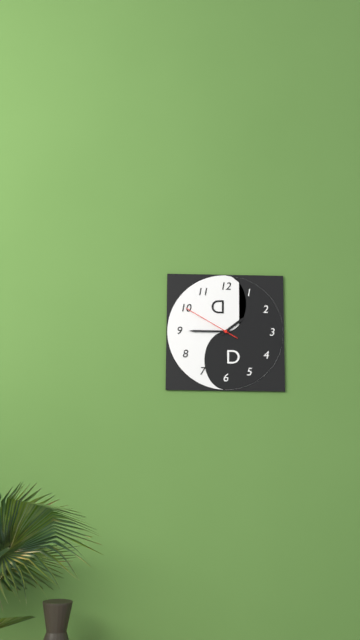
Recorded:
{"hour": 1, "minute": 45, "second": 50}
